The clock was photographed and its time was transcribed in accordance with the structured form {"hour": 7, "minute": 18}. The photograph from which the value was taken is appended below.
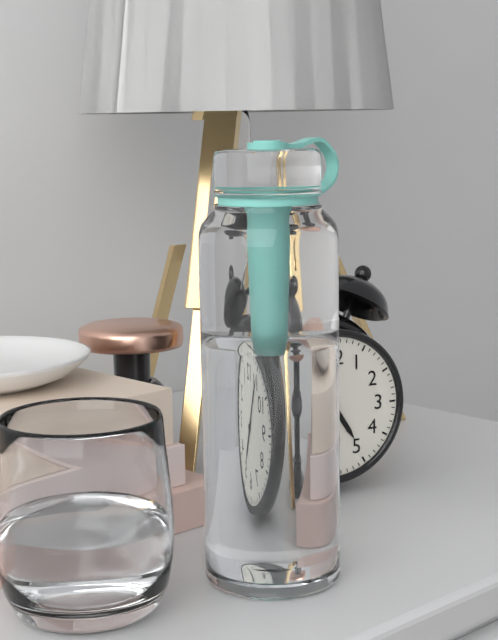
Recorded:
{"hour": 4, "minute": 55}
